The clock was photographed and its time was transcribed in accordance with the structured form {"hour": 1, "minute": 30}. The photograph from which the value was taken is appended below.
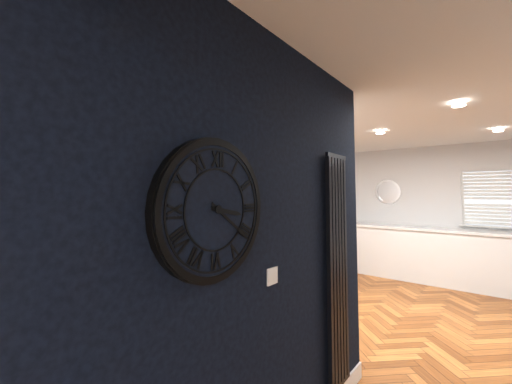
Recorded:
{"hour": 3, "minute": 21}
